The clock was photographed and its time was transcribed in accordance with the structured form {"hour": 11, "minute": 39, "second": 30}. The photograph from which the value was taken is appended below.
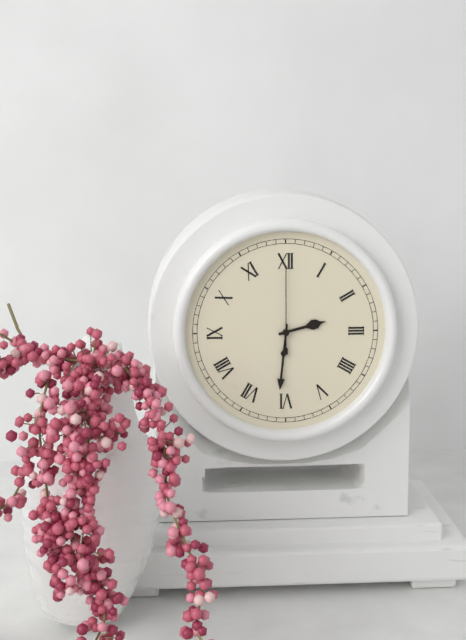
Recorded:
{"hour": 2, "minute": 31, "second": 0}
